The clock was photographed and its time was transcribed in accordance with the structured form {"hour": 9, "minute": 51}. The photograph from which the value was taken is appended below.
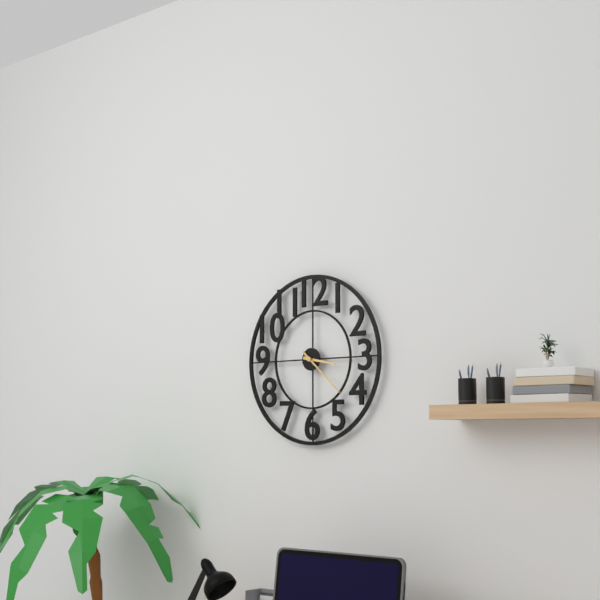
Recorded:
{"hour": 3, "minute": 22}
